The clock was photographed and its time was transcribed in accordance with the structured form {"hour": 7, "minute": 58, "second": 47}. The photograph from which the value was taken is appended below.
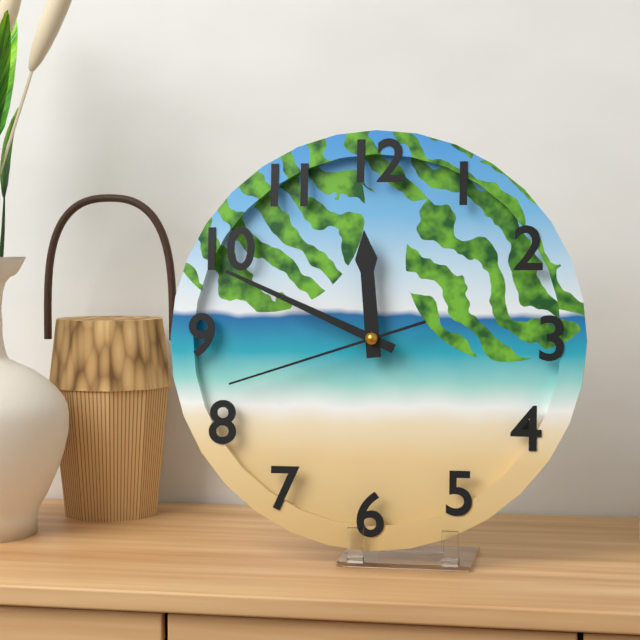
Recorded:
{"hour": 11, "minute": 49, "second": 42}
